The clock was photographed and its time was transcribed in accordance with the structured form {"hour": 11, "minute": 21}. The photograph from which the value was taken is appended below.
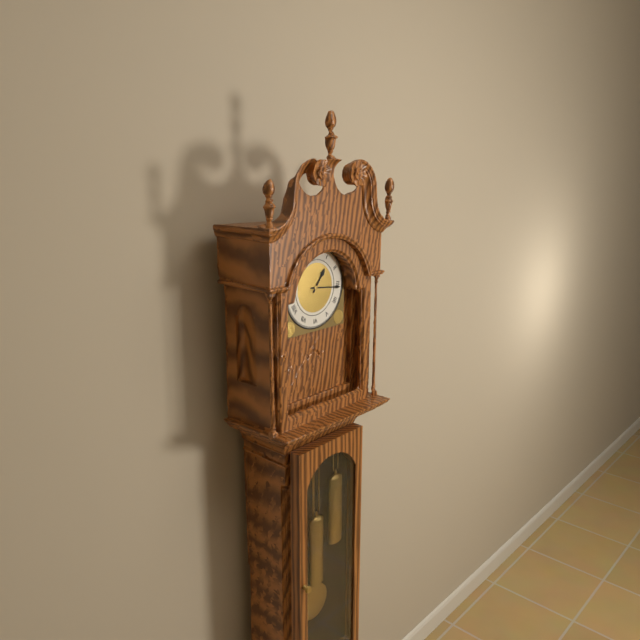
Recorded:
{"hour": 1, "minute": 16}
